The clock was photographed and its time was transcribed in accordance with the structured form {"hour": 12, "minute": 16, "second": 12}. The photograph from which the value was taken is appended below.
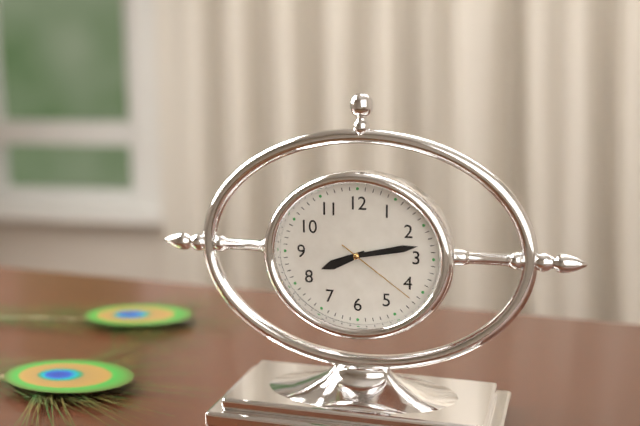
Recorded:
{"hour": 8, "minute": 13, "second": 21}
